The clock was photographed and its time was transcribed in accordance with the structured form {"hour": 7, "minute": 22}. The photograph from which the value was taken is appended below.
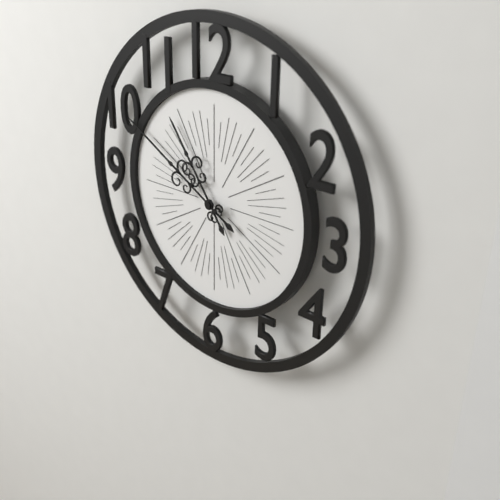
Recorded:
{"hour": 10, "minute": 50}
